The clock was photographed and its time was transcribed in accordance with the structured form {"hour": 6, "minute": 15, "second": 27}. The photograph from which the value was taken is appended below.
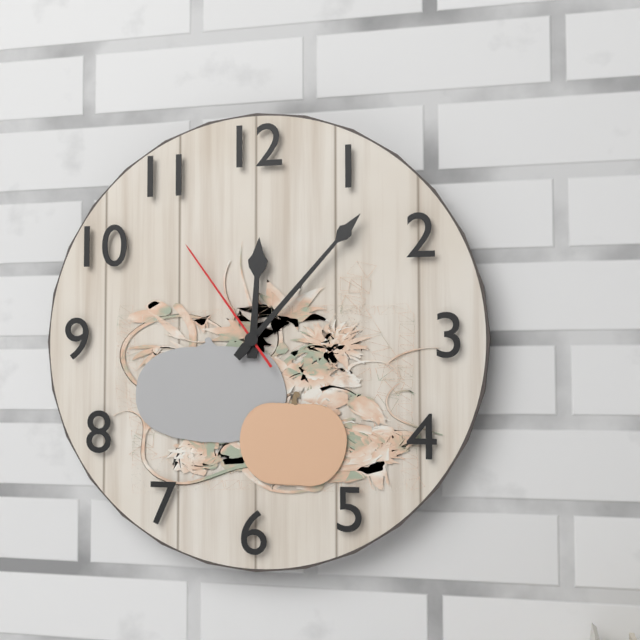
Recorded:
{"hour": 12, "minute": 7, "second": 54}
